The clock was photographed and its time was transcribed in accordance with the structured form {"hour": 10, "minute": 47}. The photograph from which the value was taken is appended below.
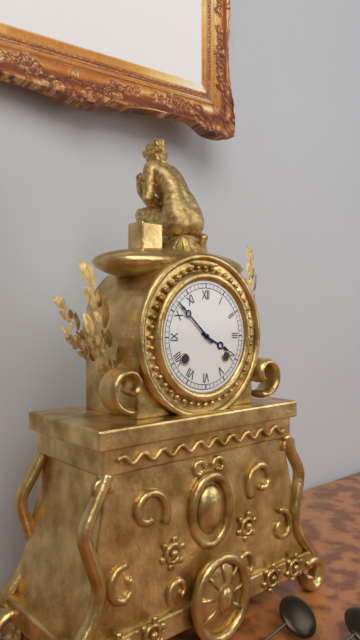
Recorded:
{"hour": 3, "minute": 52}
